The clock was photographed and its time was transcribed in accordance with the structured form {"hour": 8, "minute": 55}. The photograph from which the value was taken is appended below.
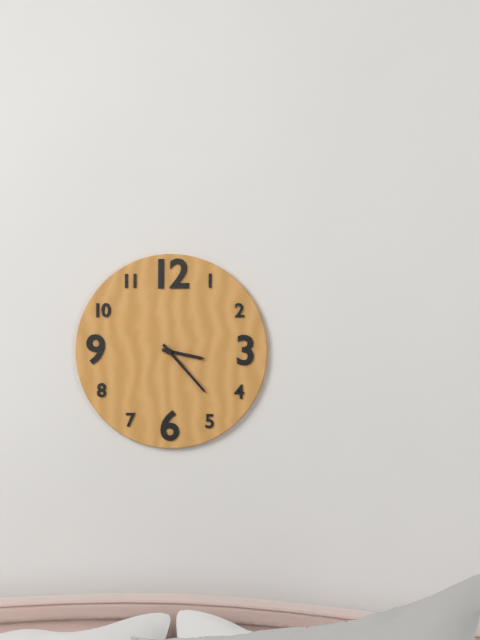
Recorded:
{"hour": 3, "minute": 23}
